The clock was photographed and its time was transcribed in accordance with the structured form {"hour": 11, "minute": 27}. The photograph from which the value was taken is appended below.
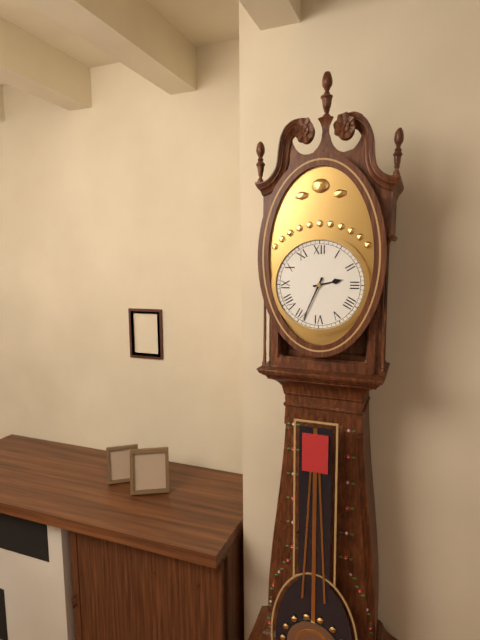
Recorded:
{"hour": 2, "minute": 34}
